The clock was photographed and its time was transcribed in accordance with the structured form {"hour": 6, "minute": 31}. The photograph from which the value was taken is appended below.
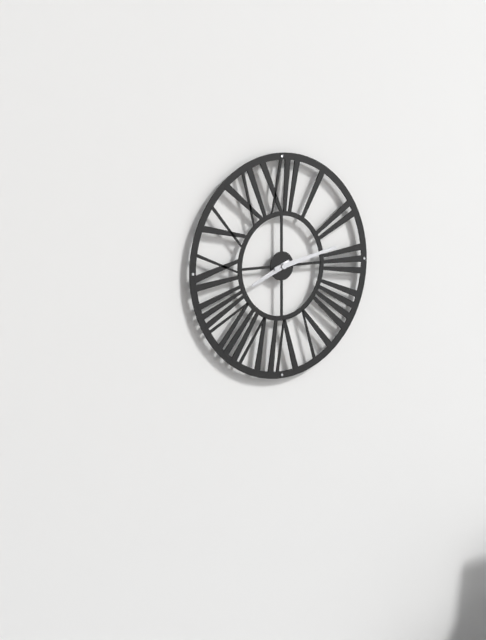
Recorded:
{"hour": 8, "minute": 13}
